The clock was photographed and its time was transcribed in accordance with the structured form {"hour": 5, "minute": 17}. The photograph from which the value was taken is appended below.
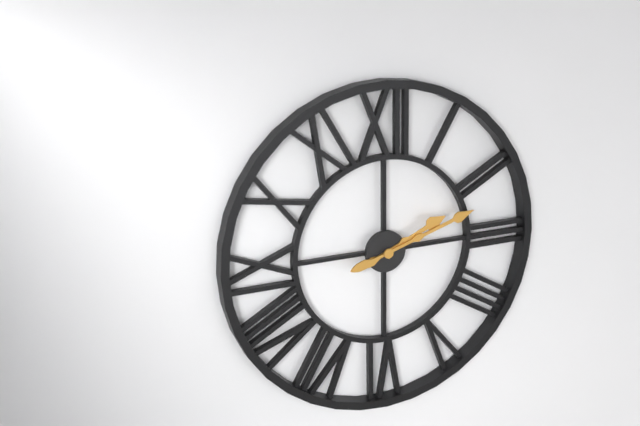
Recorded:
{"hour": 2, "minute": 12}
